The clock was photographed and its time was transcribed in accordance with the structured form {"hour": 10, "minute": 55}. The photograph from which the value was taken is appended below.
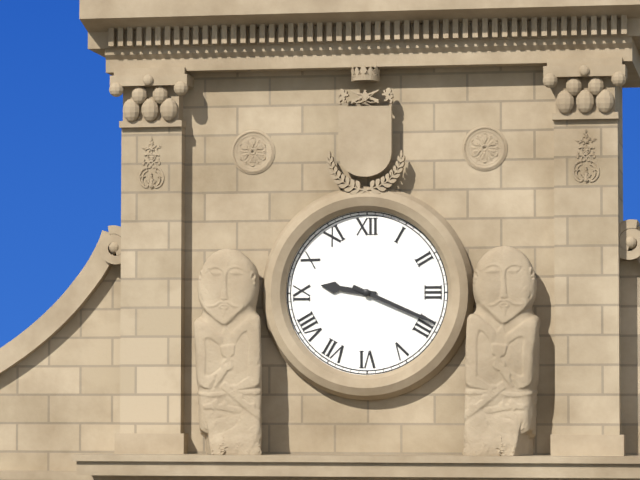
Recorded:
{"hour": 9, "minute": 19}
